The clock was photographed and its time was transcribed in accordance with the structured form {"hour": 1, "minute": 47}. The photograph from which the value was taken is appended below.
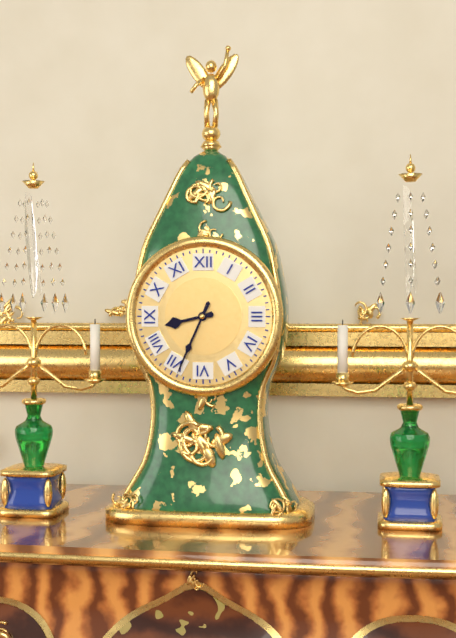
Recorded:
{"hour": 8, "minute": 34}
